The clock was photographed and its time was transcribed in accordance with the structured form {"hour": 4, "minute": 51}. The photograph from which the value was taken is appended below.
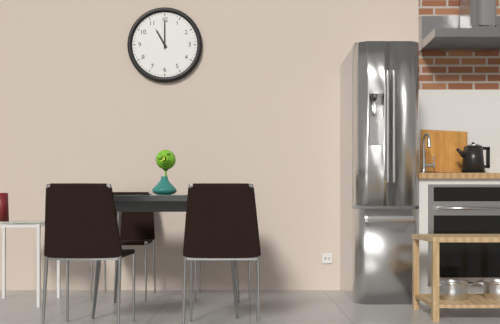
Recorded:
{"hour": 11, "minute": 0}
